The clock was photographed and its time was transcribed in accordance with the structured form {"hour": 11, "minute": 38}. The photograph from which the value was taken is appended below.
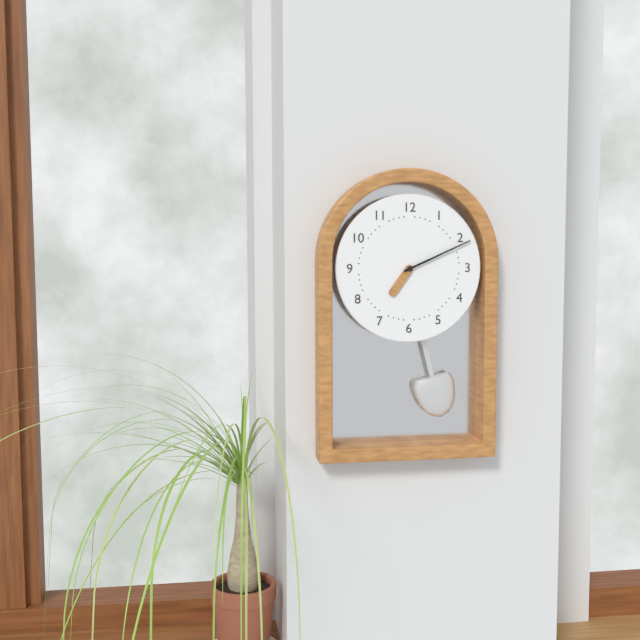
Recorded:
{"hour": 7, "minute": 11}
